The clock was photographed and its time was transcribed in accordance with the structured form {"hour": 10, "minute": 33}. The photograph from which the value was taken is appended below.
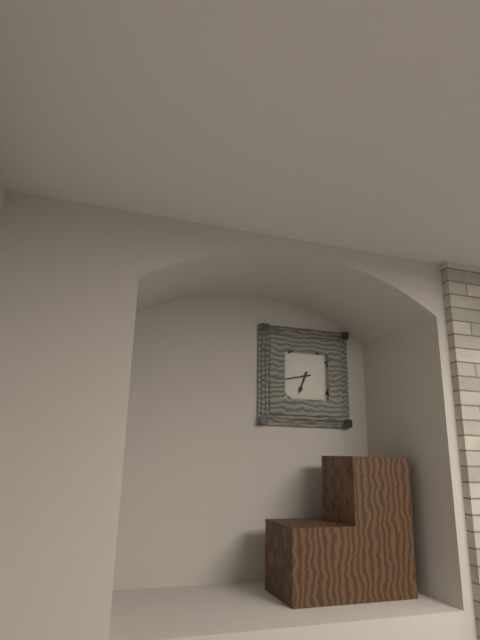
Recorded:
{"hour": 6, "minute": 43}
